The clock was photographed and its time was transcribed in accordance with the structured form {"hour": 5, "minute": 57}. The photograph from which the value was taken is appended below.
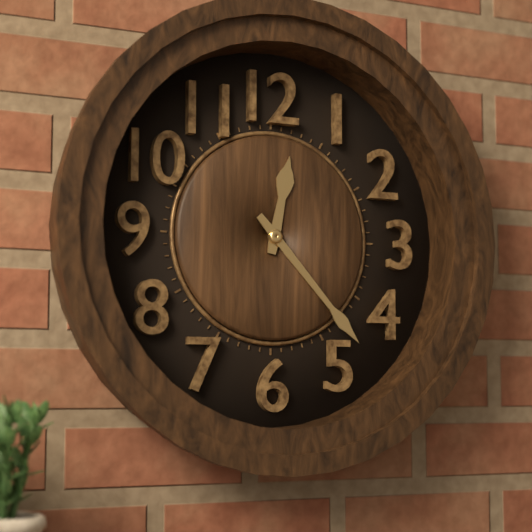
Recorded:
{"hour": 12, "minute": 23}
